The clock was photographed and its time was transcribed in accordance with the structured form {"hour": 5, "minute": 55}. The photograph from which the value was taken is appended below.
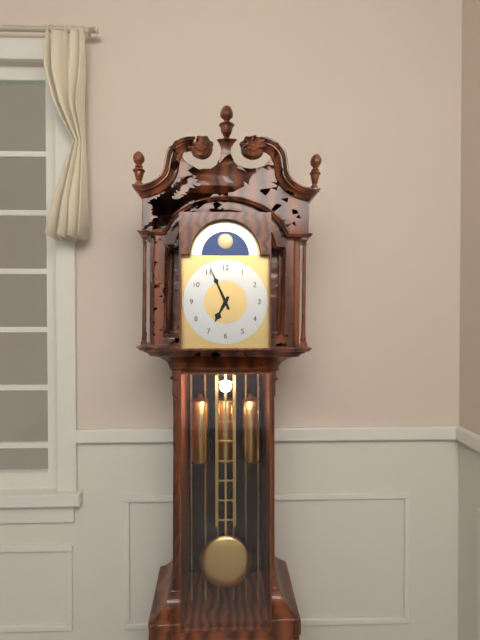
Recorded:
{"hour": 6, "minute": 56}
